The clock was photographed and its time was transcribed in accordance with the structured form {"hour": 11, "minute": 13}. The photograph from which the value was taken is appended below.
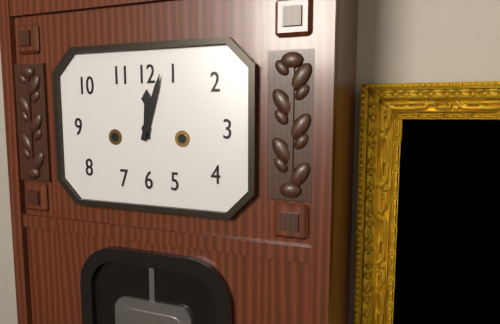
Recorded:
{"hour": 12, "minute": 3}
